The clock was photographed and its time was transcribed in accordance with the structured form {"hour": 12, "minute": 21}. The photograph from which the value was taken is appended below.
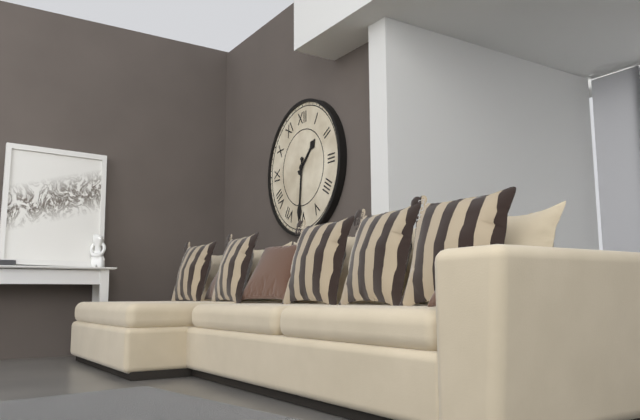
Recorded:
{"hour": 1, "minute": 31}
